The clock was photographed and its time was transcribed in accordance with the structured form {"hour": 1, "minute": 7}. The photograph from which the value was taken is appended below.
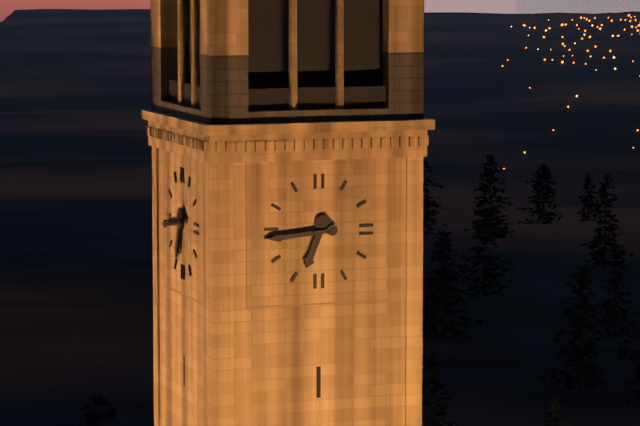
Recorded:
{"hour": 6, "minute": 44}
